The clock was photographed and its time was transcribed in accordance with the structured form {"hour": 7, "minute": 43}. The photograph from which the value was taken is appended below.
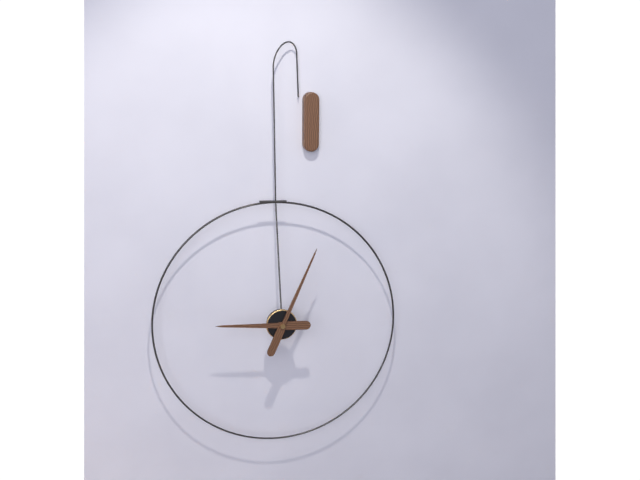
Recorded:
{"hour": 9, "minute": 4}
